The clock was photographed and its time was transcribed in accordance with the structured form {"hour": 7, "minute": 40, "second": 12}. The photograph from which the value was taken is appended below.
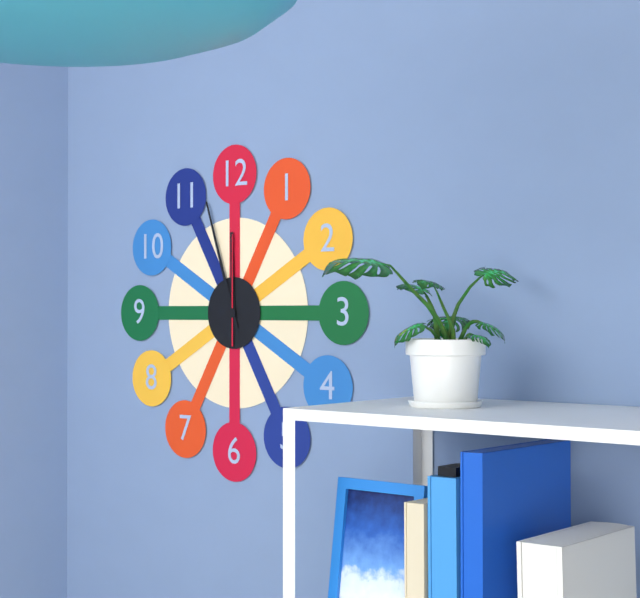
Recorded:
{"hour": 11, "minute": 57, "second": 0}
